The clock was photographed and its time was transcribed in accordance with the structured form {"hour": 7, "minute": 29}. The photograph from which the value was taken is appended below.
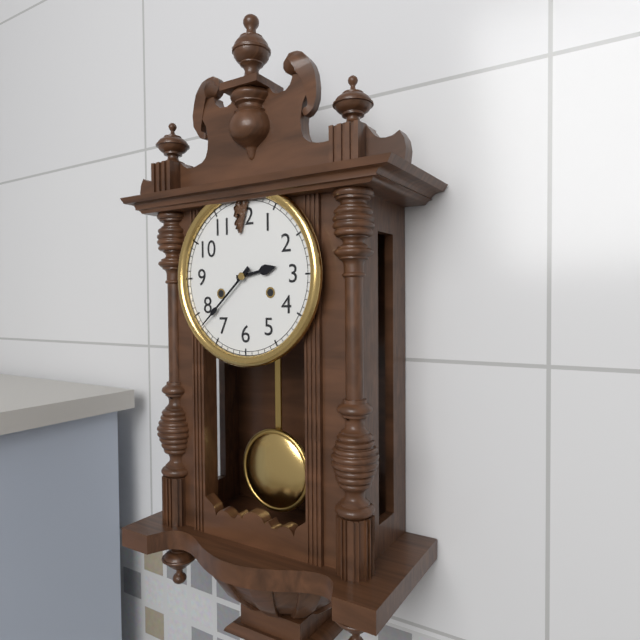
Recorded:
{"hour": 2, "minute": 38}
